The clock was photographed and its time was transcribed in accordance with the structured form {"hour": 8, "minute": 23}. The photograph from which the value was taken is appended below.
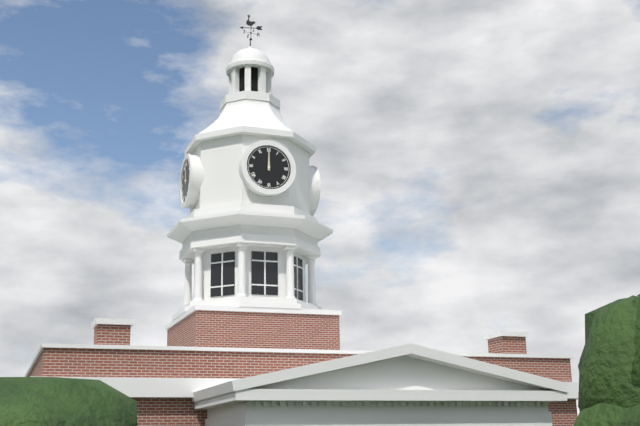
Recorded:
{"hour": 12, "minute": 0}
